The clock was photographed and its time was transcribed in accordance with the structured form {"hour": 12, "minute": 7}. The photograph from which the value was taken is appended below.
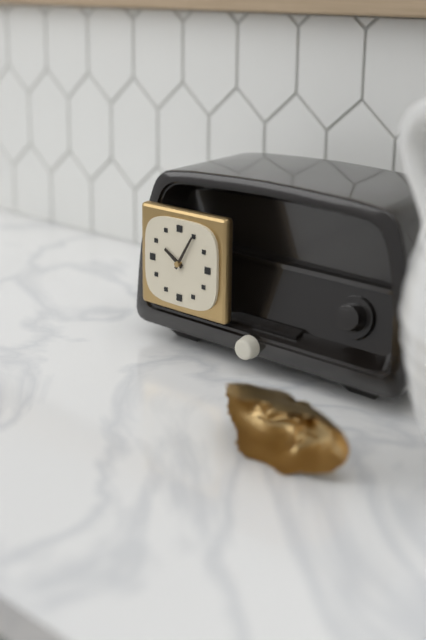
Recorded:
{"hour": 10, "minute": 5}
